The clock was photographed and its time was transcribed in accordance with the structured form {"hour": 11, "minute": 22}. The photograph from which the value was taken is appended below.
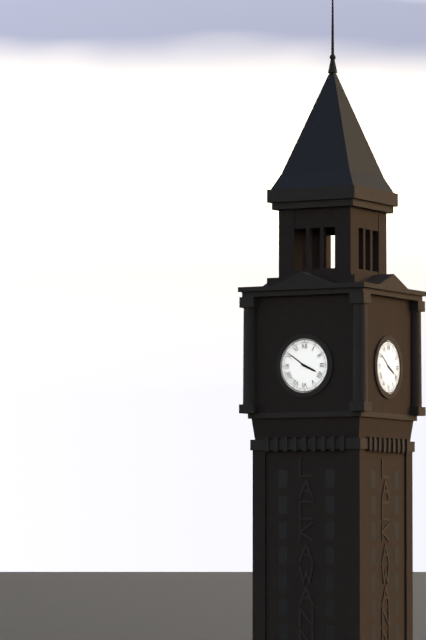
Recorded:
{"hour": 3, "minute": 51}
